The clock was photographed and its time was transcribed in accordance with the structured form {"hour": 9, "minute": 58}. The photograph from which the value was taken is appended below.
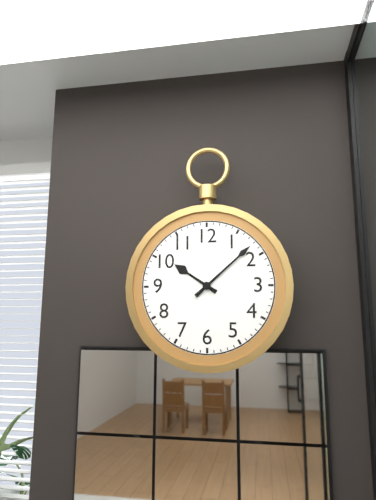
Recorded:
{"hour": 10, "minute": 8}
